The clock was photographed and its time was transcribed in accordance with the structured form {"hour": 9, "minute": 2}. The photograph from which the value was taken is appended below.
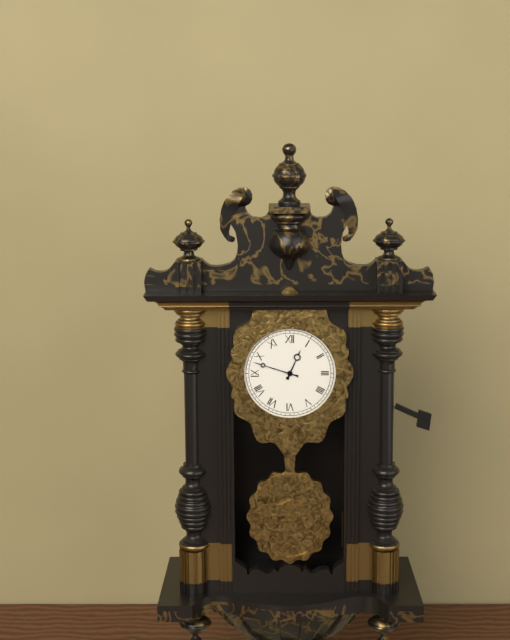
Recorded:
{"hour": 12, "minute": 48}
